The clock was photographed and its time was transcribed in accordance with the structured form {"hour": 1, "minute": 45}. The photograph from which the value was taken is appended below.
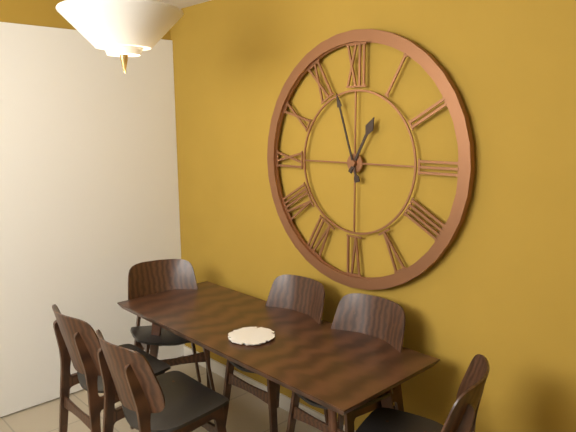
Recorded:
{"hour": 12, "minute": 57}
